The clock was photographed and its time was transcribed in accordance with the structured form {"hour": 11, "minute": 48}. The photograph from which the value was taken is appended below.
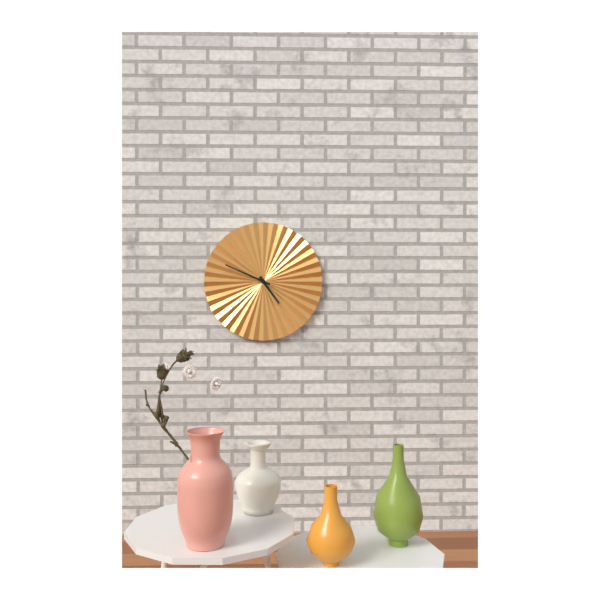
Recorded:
{"hour": 4, "minute": 49}
